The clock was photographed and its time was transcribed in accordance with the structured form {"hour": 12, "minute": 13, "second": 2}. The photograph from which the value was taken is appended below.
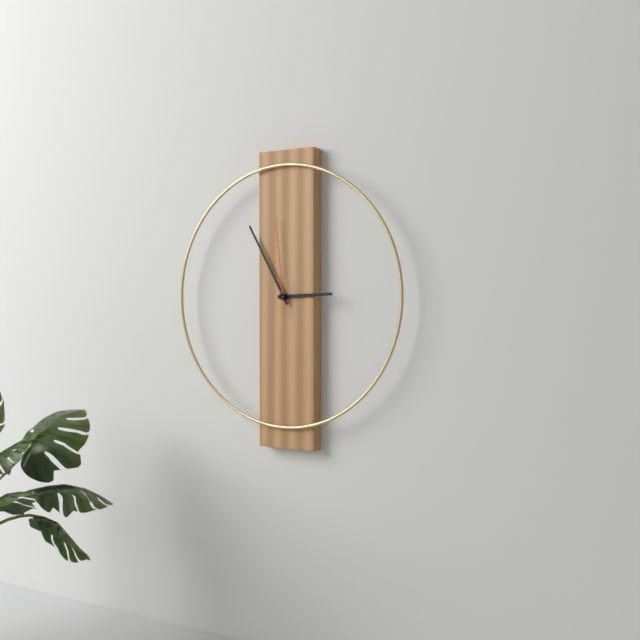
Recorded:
{"hour": 2, "minute": 55, "second": 59}
